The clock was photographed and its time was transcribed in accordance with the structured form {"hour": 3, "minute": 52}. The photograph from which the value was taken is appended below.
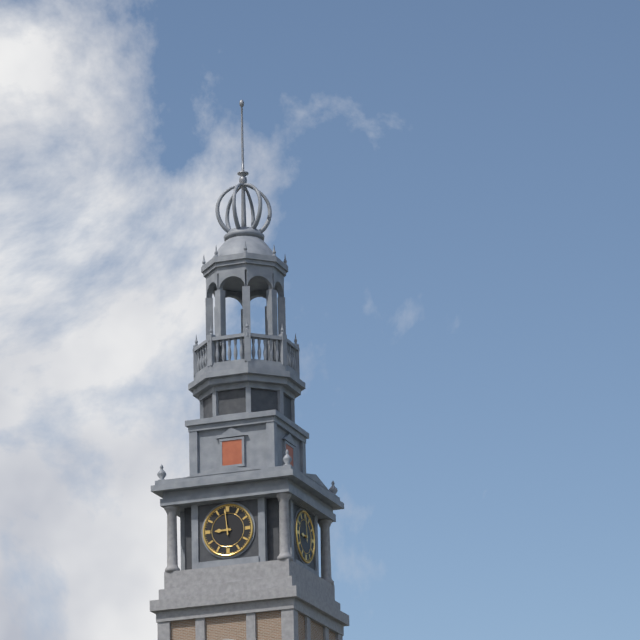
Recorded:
{"hour": 8, "minute": 59}
